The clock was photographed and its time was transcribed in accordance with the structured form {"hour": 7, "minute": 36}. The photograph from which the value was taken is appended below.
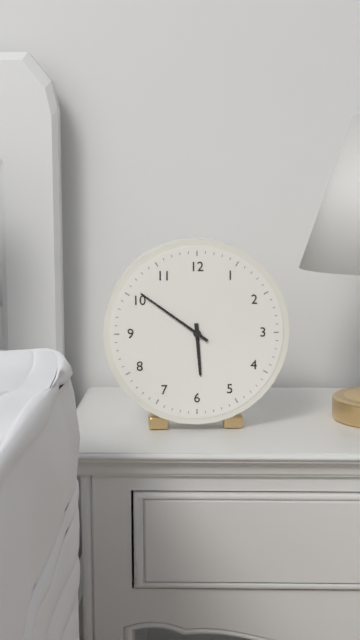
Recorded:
{"hour": 5, "minute": 51}
